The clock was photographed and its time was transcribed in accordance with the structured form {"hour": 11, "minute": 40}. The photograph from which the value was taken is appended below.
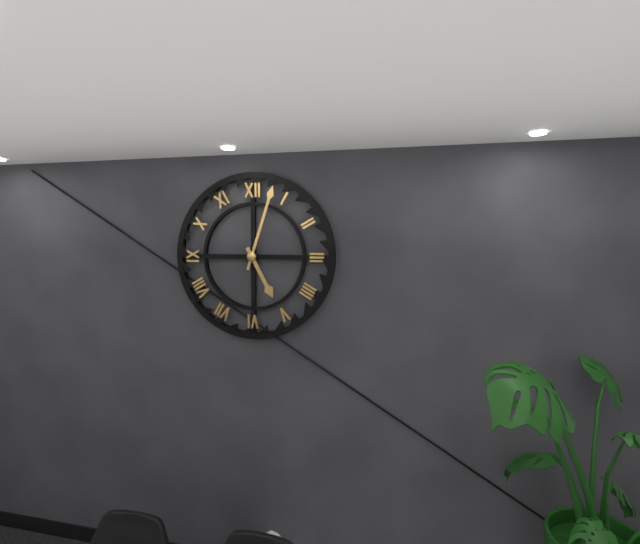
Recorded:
{"hour": 5, "minute": 3}
